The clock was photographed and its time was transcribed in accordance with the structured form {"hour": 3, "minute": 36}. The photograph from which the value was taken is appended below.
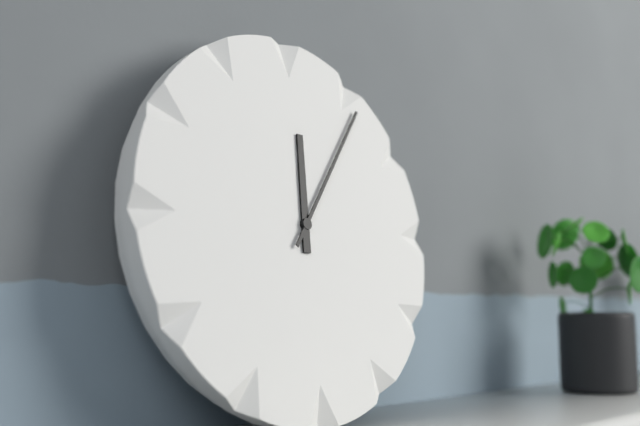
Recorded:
{"hour": 12, "minute": 6}
